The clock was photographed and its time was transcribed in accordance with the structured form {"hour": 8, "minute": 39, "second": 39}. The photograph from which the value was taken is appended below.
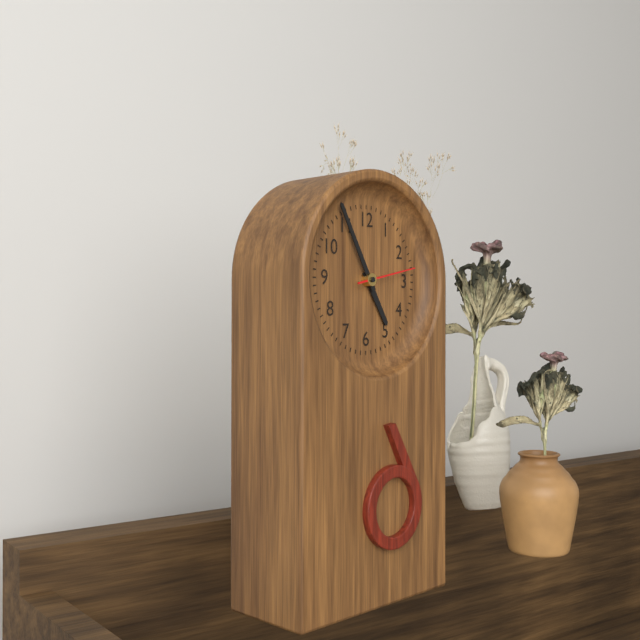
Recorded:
{"hour": 4, "minute": 55, "second": 13}
